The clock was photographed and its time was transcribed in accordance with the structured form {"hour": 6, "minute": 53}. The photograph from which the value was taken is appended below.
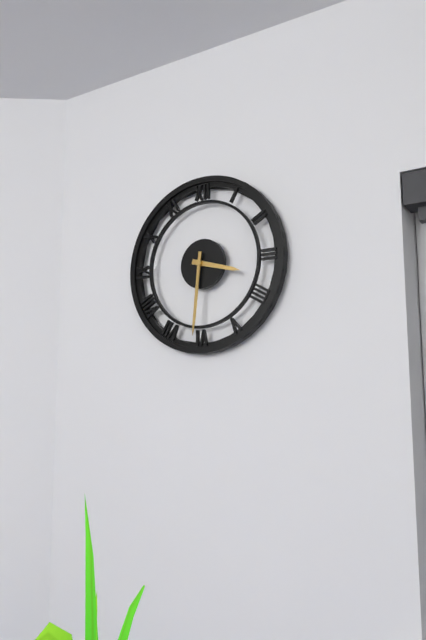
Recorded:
{"hour": 3, "minute": 31}
